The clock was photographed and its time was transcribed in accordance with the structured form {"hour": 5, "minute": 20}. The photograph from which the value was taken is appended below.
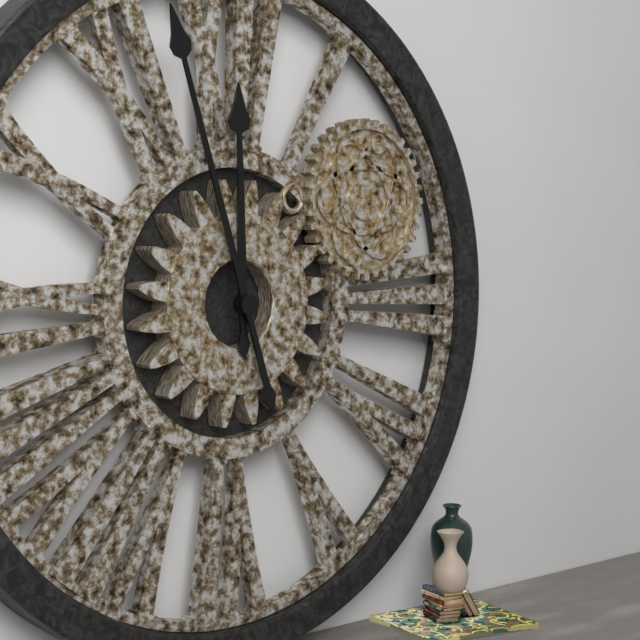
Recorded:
{"hour": 11, "minute": 57}
